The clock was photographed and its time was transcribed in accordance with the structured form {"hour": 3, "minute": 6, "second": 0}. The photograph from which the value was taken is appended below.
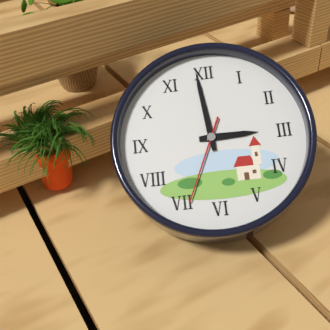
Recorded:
{"hour": 2, "minute": 59, "second": 34}
